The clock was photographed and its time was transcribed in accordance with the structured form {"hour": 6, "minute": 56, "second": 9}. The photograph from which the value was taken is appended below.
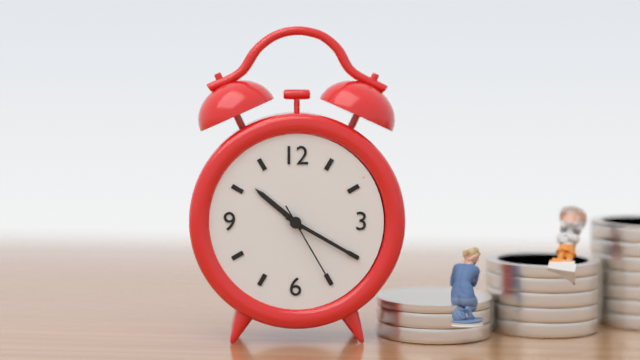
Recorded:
{"hour": 10, "minute": 20, "second": 25}
